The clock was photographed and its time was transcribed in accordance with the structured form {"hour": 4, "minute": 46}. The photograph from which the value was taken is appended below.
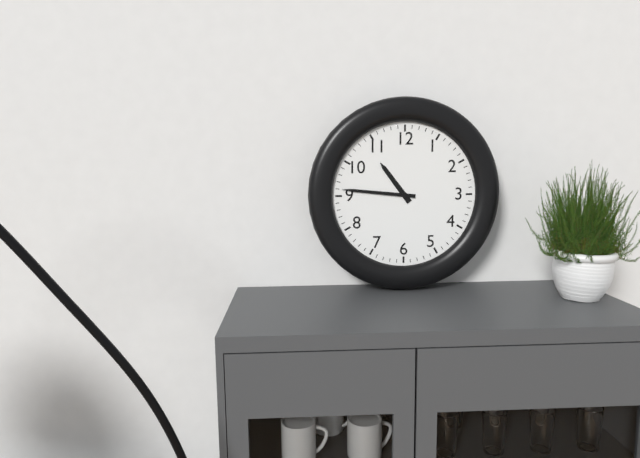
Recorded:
{"hour": 10, "minute": 46}
